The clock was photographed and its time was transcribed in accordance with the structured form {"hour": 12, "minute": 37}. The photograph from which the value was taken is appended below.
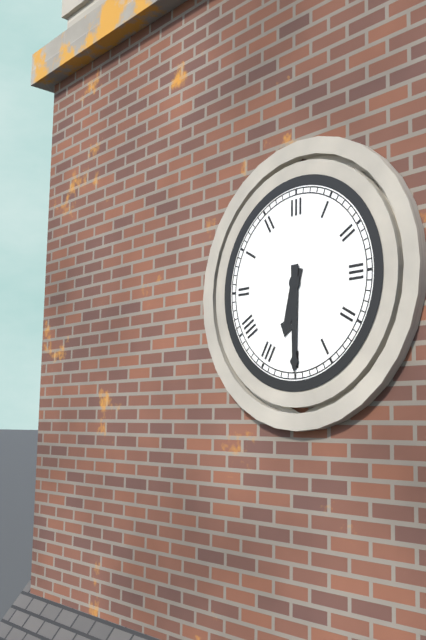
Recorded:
{"hour": 6, "minute": 30}
